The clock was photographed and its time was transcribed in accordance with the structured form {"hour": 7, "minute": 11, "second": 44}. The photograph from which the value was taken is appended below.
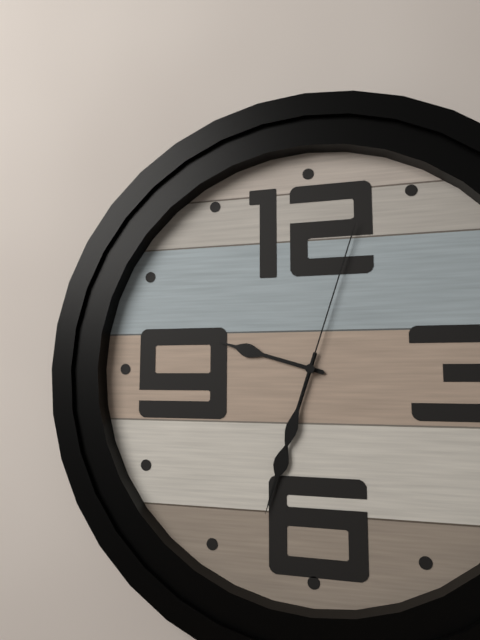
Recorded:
{"hour": 9, "minute": 33, "second": 3}
